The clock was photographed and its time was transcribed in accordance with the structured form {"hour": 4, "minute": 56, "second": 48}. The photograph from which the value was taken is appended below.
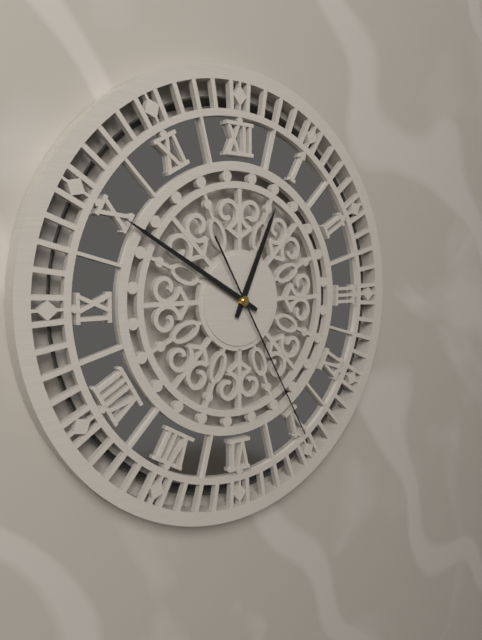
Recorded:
{"hour": 12, "minute": 50, "second": 25}
